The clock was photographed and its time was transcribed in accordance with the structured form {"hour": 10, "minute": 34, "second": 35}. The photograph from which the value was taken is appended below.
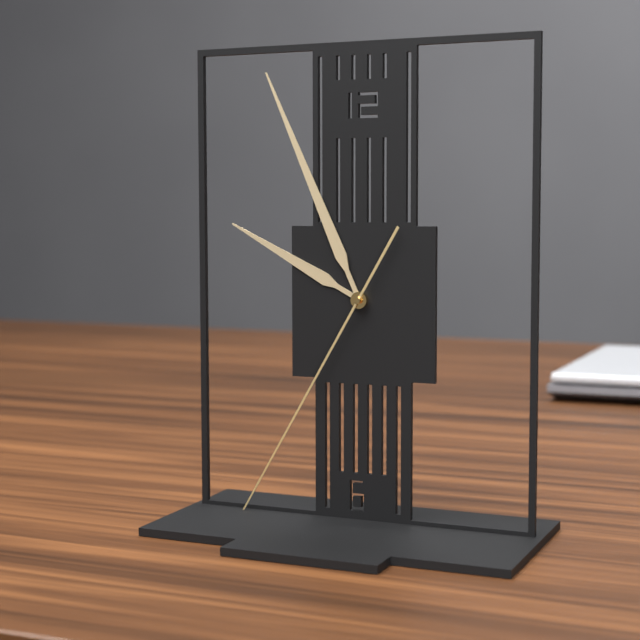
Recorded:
{"hour": 9, "minute": 56, "second": 35}
